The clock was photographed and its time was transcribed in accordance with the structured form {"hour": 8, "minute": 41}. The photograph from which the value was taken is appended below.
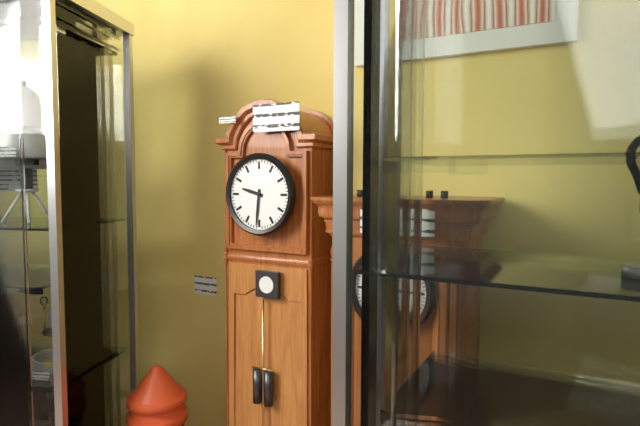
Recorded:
{"hour": 9, "minute": 31}
